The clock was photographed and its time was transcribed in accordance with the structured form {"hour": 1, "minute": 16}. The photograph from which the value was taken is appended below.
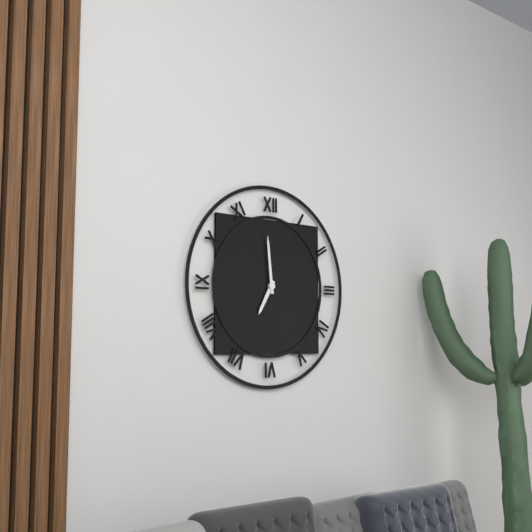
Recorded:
{"hour": 6, "minute": 59}
